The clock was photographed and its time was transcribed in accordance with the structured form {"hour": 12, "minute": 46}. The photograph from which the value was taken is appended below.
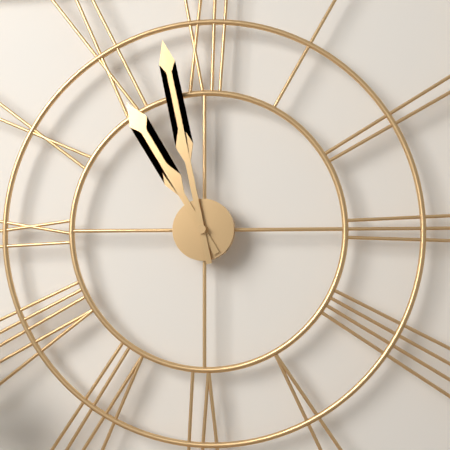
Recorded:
{"hour": 10, "minute": 58}
